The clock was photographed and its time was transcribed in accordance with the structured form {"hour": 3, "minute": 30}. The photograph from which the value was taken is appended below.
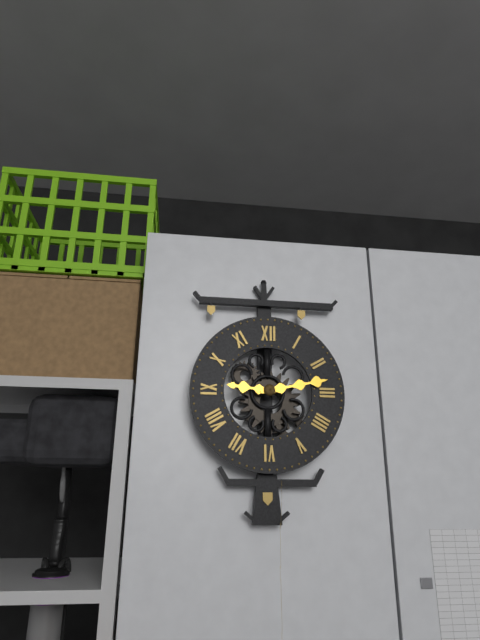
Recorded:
{"hour": 9, "minute": 13}
